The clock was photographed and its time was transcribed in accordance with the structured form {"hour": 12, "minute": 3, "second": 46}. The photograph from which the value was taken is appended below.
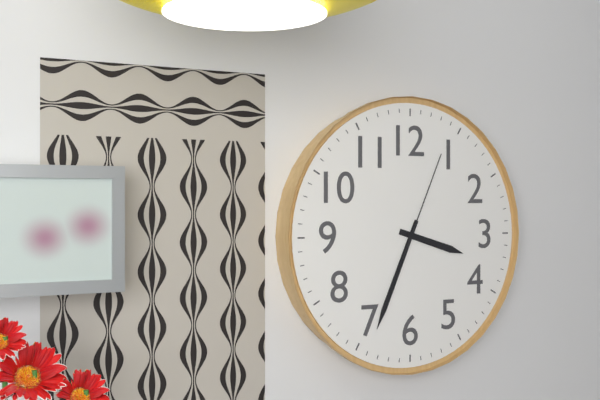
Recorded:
{"hour": 3, "minute": 34, "second": 4}
